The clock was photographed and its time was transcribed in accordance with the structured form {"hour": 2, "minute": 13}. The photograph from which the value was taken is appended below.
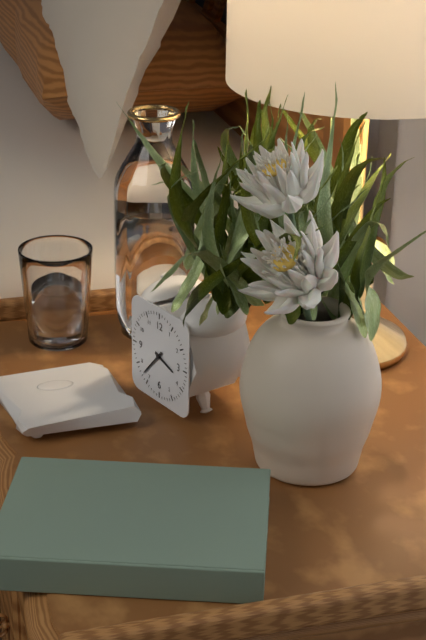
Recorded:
{"hour": 3, "minute": 37}
